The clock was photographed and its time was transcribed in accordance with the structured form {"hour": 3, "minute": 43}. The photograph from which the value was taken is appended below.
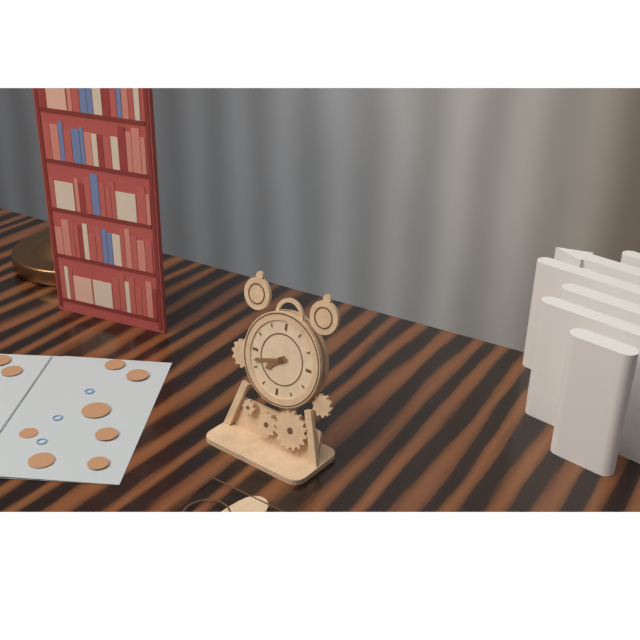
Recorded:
{"hour": 7, "minute": 42}
